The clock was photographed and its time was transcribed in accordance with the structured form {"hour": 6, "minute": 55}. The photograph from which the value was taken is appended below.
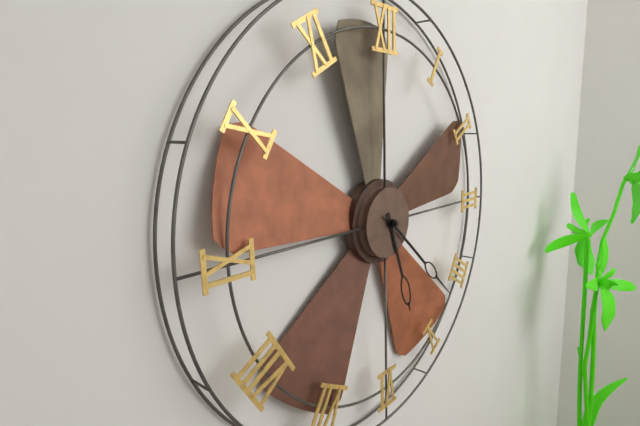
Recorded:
{"hour": 5, "minute": 22}
